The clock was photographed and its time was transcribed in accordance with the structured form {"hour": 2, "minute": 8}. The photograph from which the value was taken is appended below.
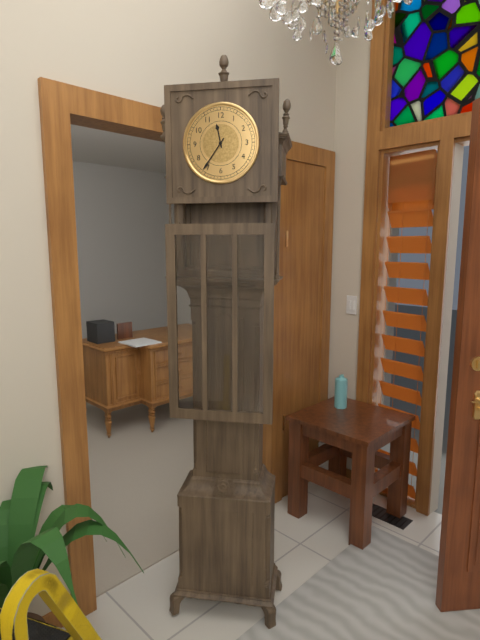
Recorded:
{"hour": 11, "minute": 36}
